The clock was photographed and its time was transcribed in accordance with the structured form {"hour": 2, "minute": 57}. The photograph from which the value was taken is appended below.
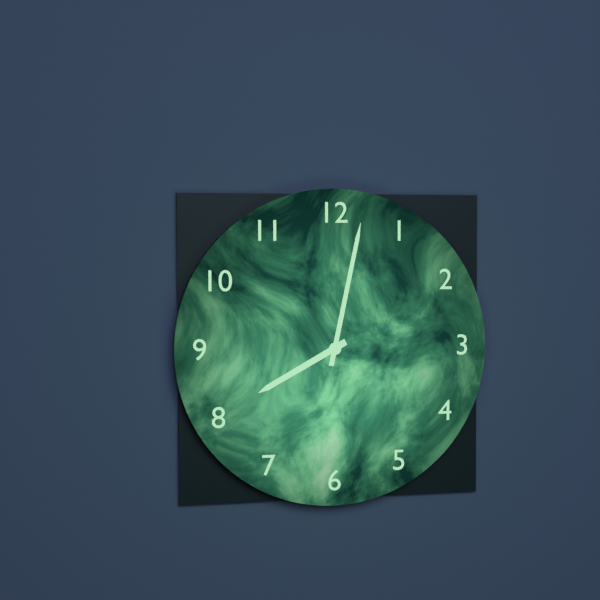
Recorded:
{"hour": 8, "minute": 2}
